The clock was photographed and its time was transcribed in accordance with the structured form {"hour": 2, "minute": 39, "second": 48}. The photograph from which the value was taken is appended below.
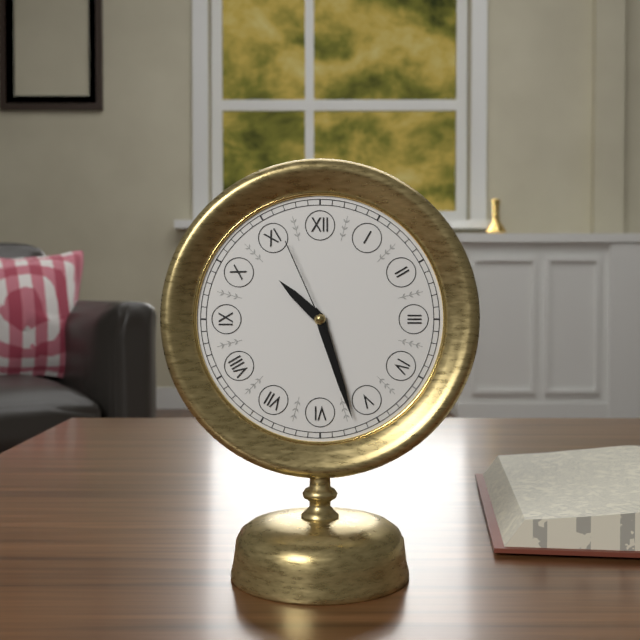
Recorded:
{"hour": 10, "minute": 27, "second": 56}
